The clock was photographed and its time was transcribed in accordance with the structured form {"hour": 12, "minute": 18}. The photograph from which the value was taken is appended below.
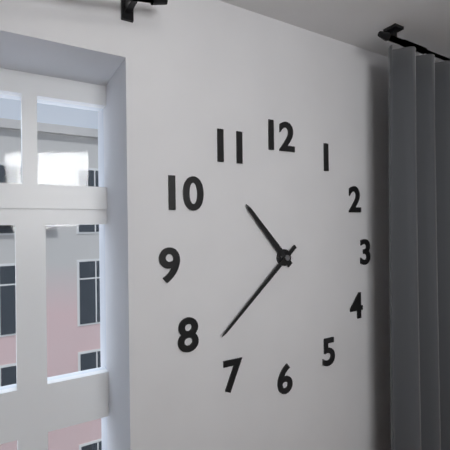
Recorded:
{"hour": 10, "minute": 38}
